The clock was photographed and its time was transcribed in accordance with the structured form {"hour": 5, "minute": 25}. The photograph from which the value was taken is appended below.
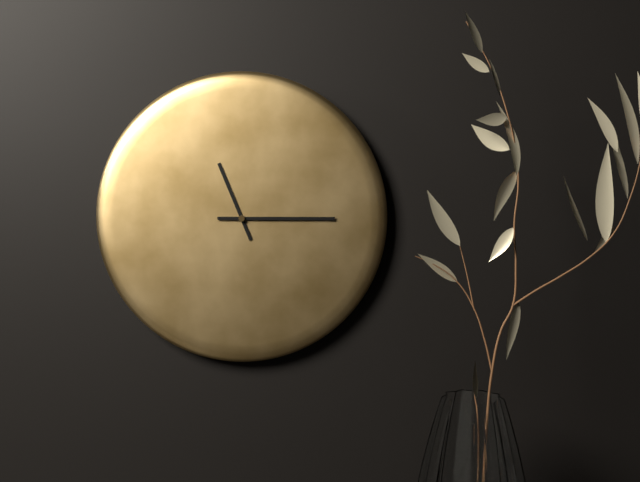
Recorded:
{"hour": 11, "minute": 15}
